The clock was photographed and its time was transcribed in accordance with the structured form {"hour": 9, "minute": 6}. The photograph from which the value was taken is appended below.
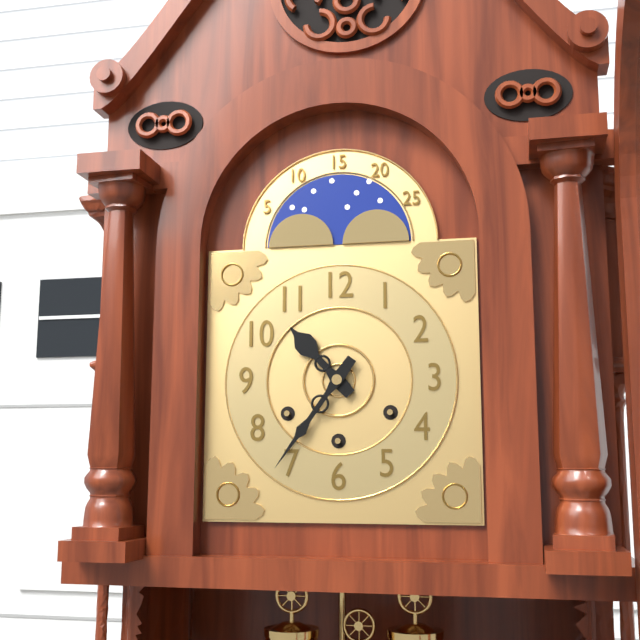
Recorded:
{"hour": 10, "minute": 36}
